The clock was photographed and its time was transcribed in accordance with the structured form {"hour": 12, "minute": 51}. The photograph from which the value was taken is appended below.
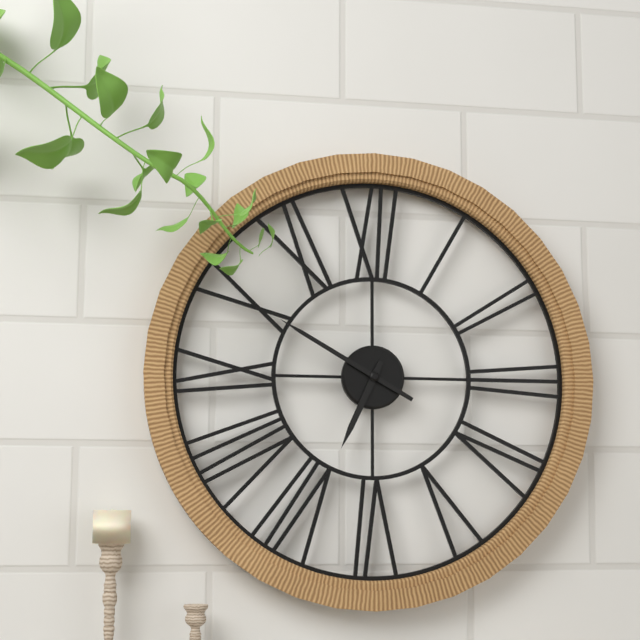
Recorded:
{"hour": 6, "minute": 50}
